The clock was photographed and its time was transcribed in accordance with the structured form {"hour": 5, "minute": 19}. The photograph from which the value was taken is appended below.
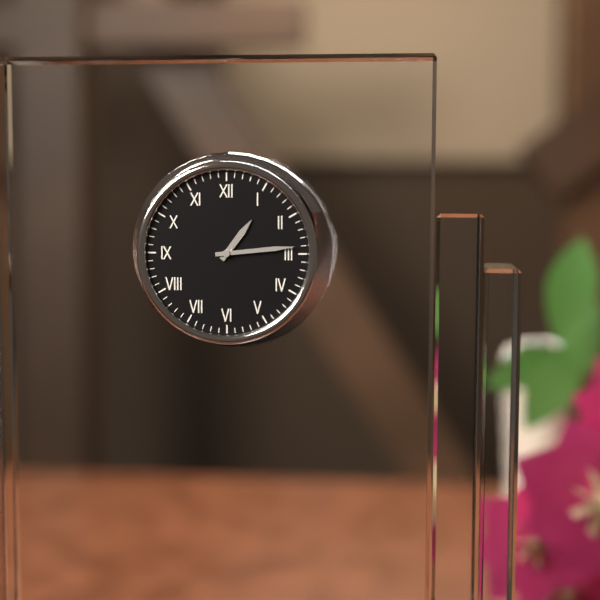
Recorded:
{"hour": 1, "minute": 14}
